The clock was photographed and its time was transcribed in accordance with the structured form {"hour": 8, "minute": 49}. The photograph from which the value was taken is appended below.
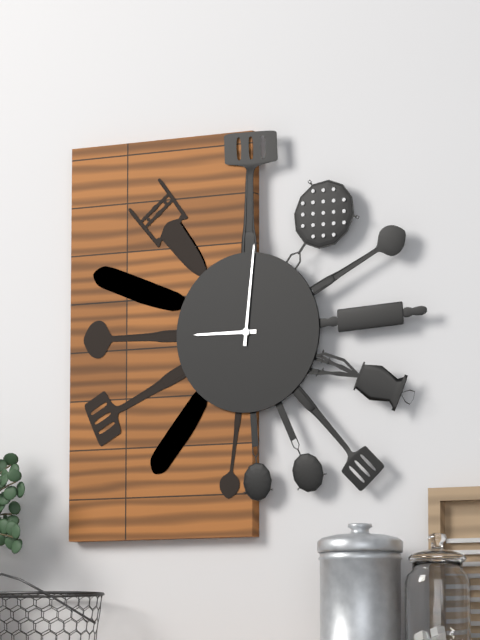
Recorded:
{"hour": 9, "minute": 1}
